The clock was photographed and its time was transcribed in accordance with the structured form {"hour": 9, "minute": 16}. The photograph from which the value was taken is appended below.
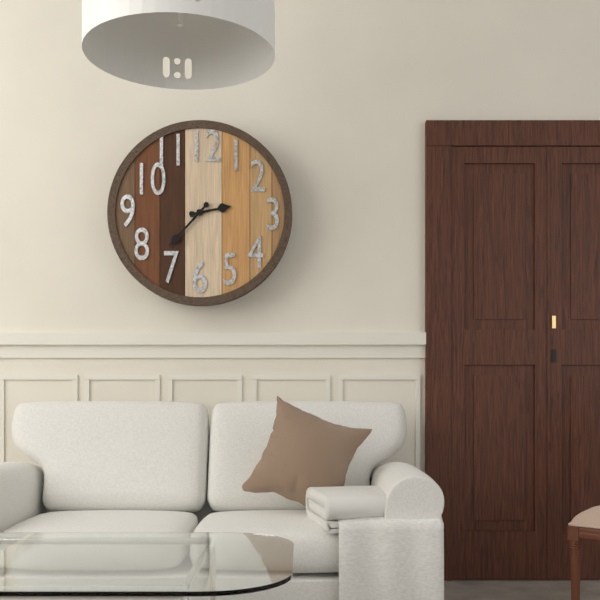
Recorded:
{"hour": 2, "minute": 37}
